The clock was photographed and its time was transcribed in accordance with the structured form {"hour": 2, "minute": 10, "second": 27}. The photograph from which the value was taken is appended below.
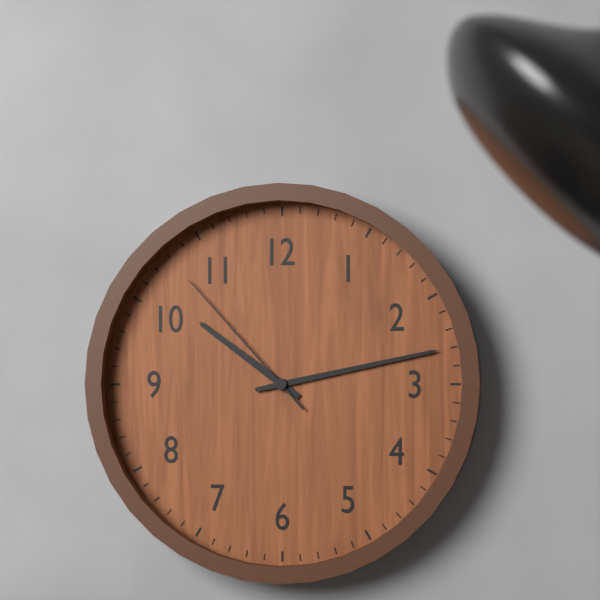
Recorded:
{"hour": 10, "minute": 13, "second": 53}
